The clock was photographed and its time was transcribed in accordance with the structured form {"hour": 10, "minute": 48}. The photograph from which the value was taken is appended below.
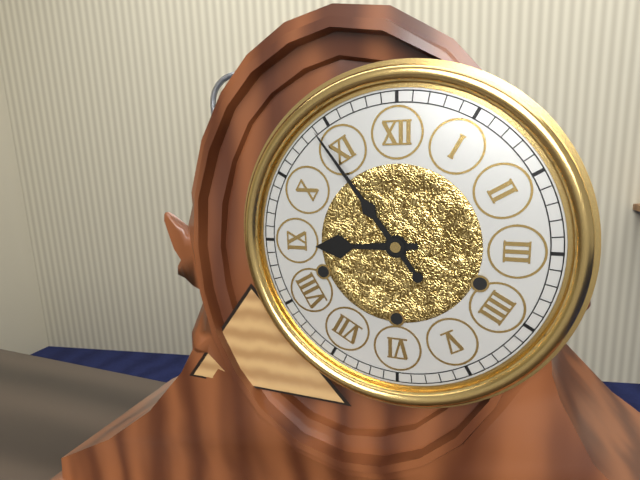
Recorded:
{"hour": 8, "minute": 54}
